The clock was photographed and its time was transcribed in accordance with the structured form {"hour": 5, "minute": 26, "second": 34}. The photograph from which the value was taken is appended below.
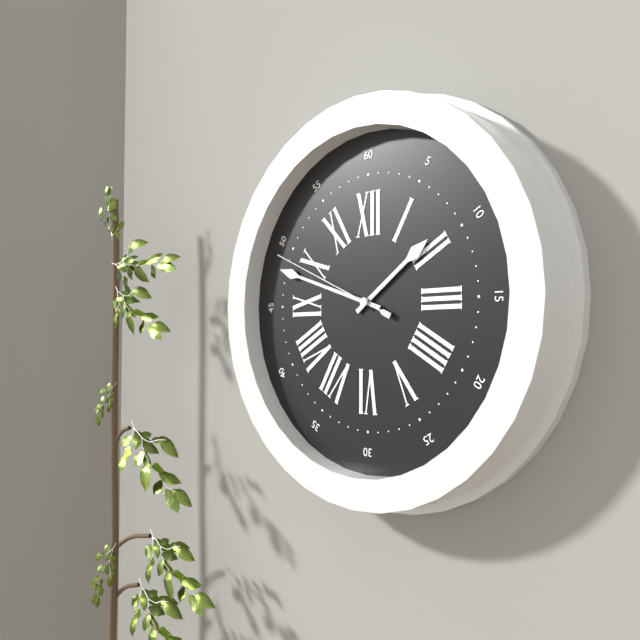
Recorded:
{"hour": 1, "minute": 48, "second": 49}
